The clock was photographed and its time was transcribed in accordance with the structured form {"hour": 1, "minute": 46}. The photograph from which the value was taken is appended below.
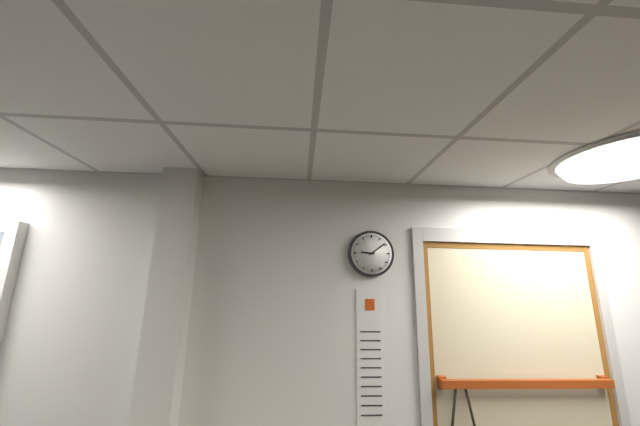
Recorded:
{"hour": 9, "minute": 9}
